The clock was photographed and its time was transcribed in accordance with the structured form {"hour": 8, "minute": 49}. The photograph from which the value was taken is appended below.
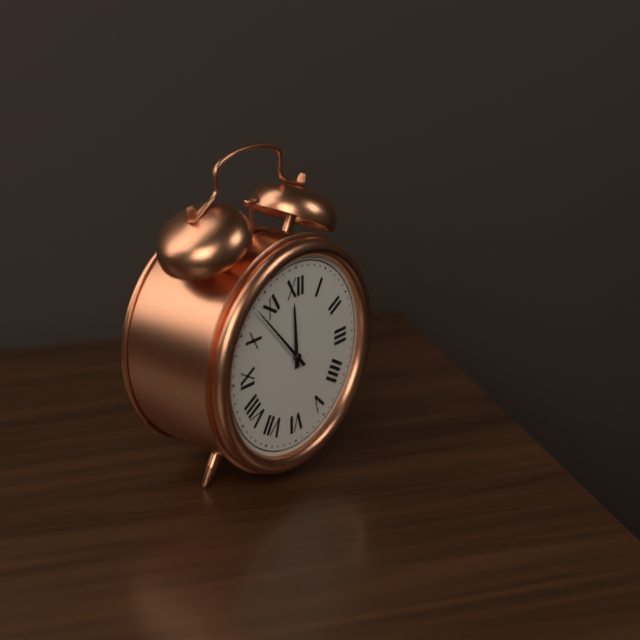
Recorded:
{"hour": 11, "minute": 53}
